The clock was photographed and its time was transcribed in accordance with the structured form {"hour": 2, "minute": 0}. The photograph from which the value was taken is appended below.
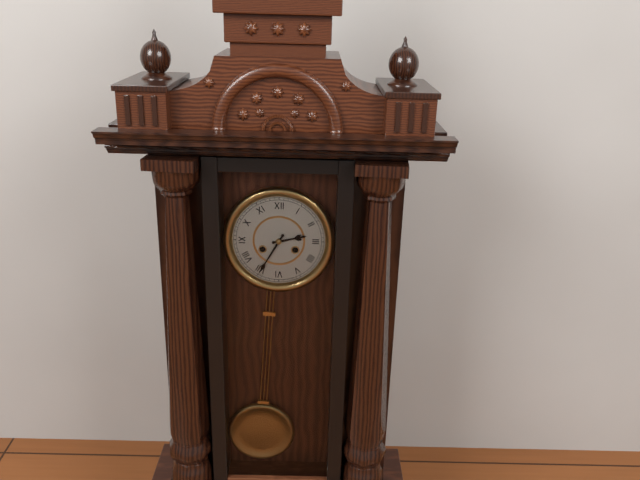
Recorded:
{"hour": 2, "minute": 35}
